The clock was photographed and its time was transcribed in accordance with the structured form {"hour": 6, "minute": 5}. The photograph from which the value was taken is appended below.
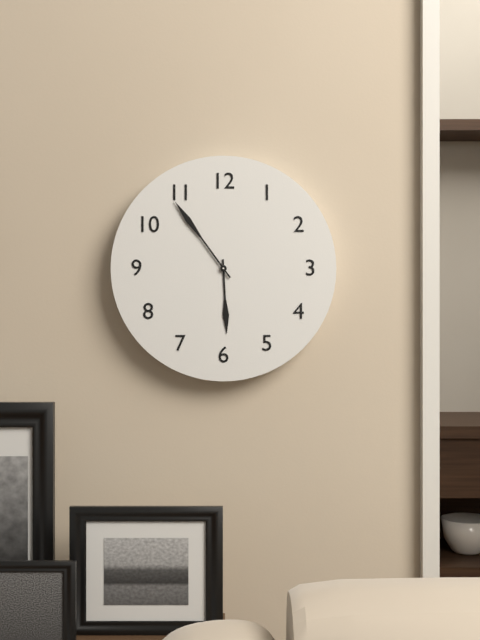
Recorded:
{"hour": 5, "minute": 54}
